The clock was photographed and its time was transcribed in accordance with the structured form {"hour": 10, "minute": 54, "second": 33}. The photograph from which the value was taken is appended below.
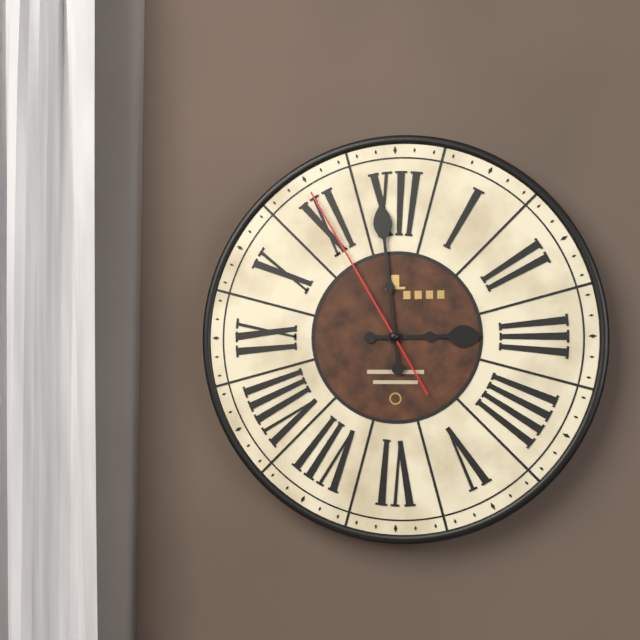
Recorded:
{"hour": 2, "minute": 59, "second": 55}
